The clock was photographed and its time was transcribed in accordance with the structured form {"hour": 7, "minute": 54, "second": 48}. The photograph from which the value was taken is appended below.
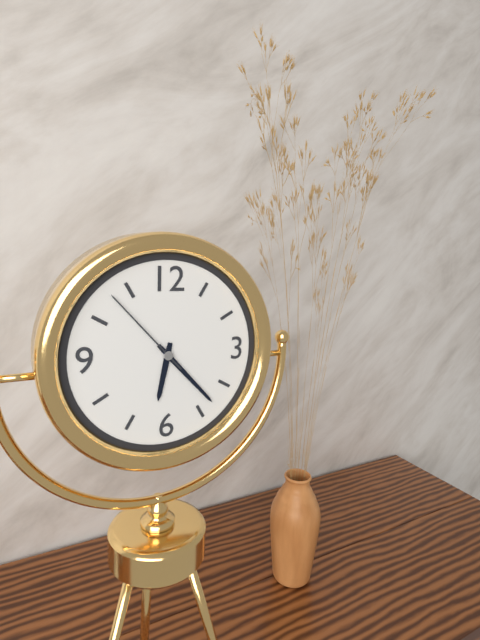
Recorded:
{"hour": 6, "minute": 23, "second": 53}
